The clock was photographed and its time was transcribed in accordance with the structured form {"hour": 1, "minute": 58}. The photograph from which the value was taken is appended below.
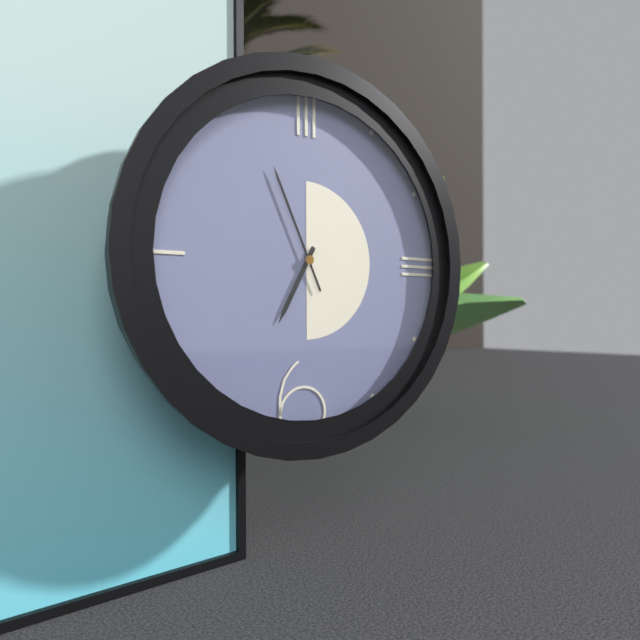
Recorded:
{"hour": 6, "minute": 56}
